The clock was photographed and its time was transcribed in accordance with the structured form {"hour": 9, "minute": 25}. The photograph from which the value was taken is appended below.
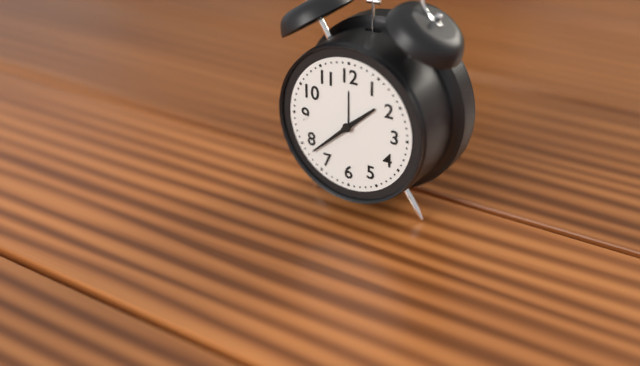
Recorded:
{"hour": 1, "minute": 38}
